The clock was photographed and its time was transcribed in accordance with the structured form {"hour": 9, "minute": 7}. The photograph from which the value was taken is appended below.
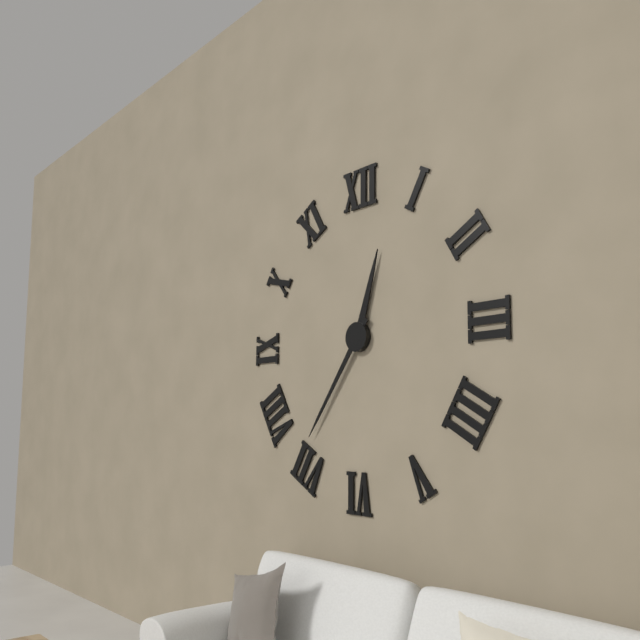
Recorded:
{"hour": 12, "minute": 36}
